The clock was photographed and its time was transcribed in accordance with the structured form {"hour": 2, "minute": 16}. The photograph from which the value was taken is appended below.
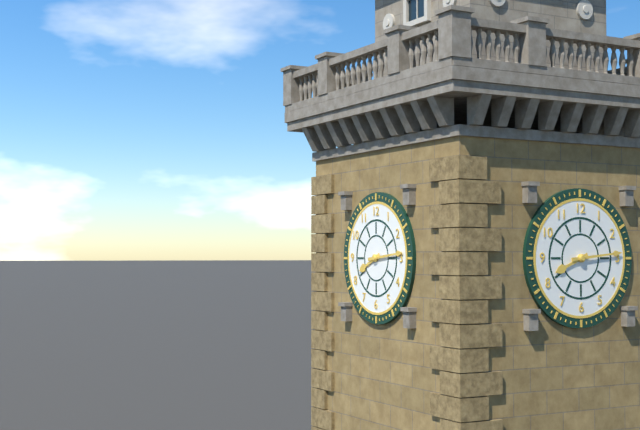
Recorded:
{"hour": 8, "minute": 14}
